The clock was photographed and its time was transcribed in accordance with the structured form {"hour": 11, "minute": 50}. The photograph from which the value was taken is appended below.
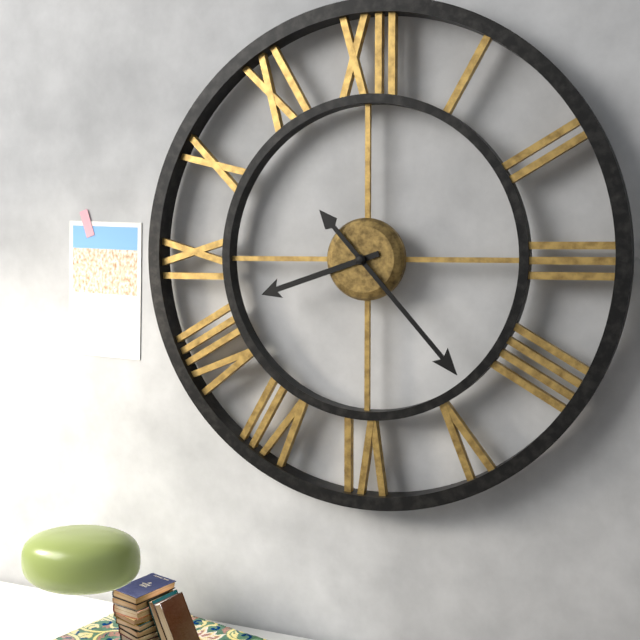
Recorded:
{"hour": 8, "minute": 23}
